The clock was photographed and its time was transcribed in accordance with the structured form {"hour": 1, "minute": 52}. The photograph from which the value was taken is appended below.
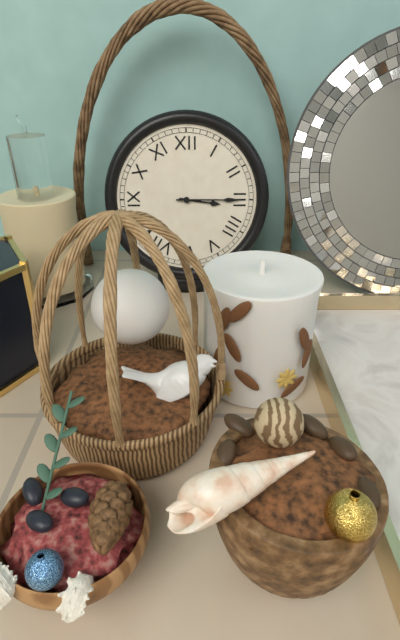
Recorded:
{"hour": 3, "minute": 15}
